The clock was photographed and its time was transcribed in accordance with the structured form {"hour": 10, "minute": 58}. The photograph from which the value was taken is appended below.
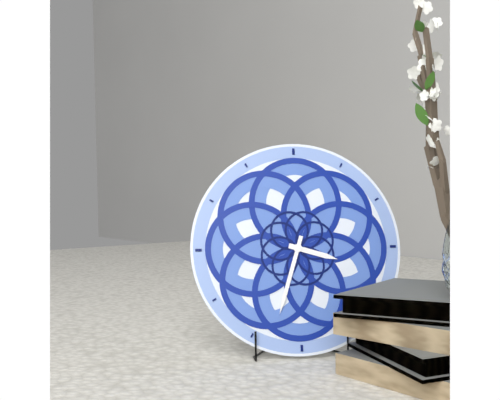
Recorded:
{"hour": 3, "minute": 33}
